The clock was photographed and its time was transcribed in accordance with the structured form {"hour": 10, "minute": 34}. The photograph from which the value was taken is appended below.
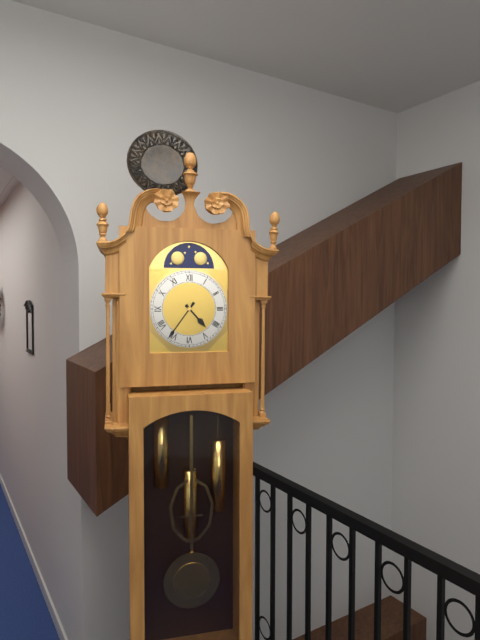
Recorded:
{"hour": 4, "minute": 36}
